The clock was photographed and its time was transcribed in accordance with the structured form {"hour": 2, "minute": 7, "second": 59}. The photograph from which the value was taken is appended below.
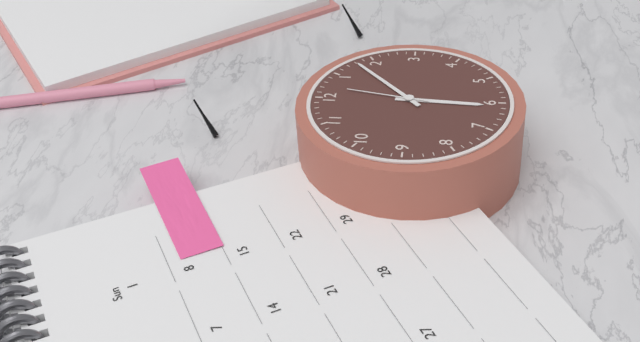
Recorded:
{"hour": 6, "minute": 8, "second": 2}
